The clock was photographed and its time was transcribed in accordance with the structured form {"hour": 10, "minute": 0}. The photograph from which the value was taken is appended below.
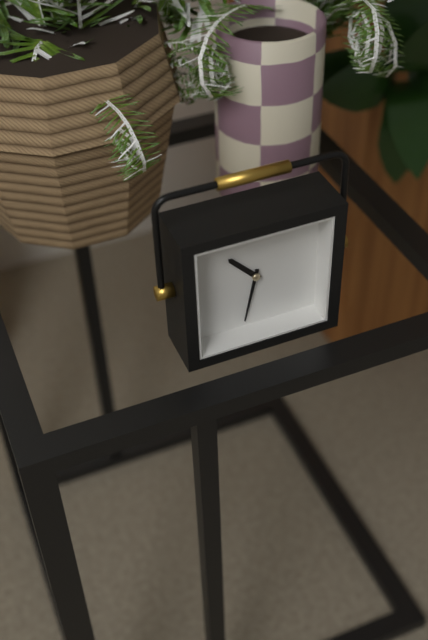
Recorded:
{"hour": 10, "minute": 32}
